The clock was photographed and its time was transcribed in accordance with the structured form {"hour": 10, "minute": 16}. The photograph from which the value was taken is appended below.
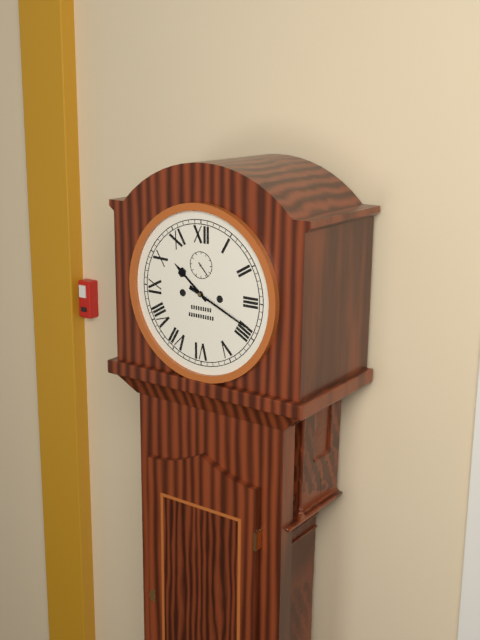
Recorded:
{"hour": 10, "minute": 19}
